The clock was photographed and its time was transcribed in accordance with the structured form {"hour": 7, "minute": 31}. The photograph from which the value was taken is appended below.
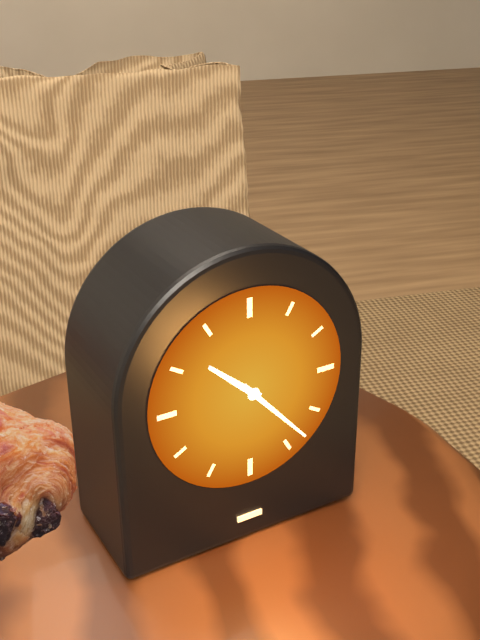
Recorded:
{"hour": 10, "minute": 23}
